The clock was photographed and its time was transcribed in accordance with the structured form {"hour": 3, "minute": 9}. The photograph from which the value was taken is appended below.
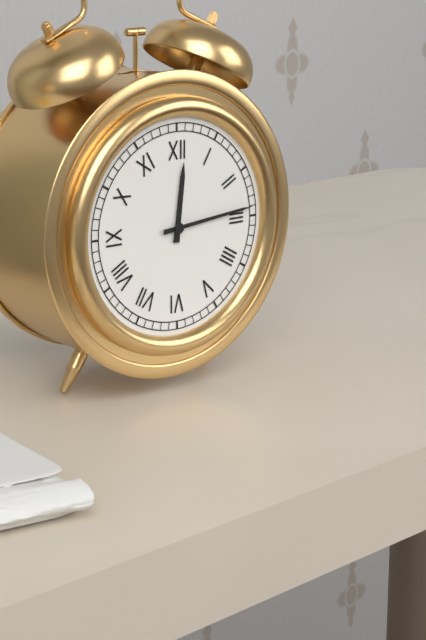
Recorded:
{"hour": 12, "minute": 14}
